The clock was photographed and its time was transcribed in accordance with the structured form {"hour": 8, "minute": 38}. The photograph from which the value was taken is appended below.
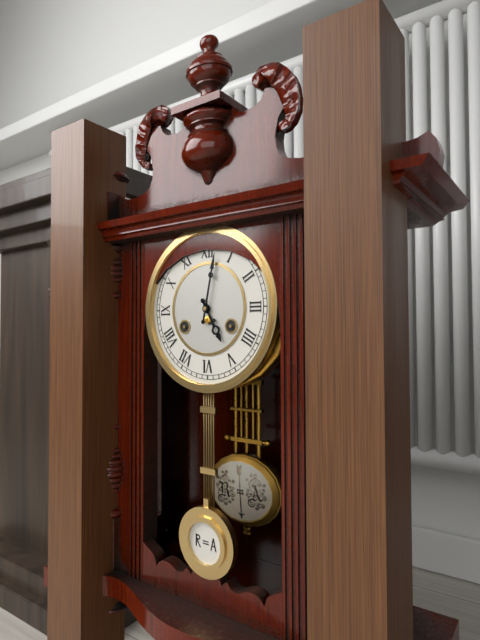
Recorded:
{"hour": 5, "minute": 2}
